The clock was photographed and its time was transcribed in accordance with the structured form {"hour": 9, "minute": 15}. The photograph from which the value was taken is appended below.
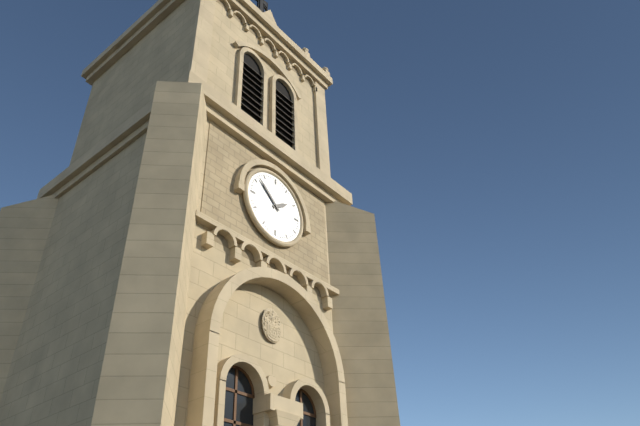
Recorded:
{"hour": 1, "minute": 52}
